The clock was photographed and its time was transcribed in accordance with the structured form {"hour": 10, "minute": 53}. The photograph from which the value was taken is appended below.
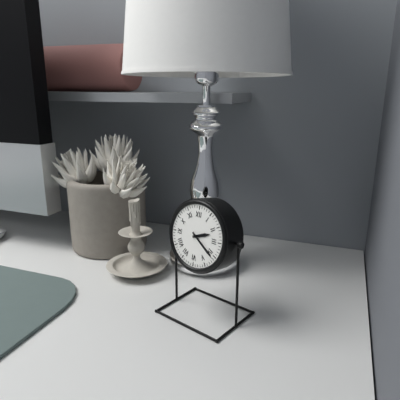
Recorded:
{"hour": 2, "minute": 21}
